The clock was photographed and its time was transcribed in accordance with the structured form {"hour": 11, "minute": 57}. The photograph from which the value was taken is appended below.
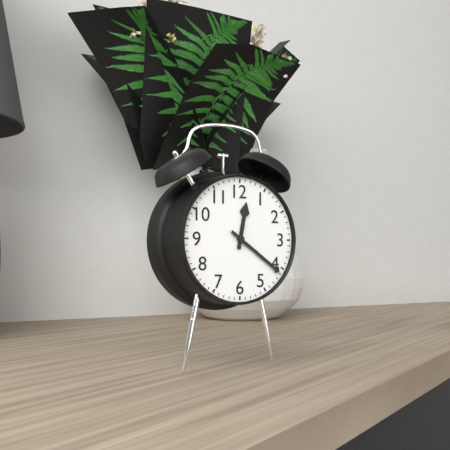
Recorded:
{"hour": 12, "minute": 21}
